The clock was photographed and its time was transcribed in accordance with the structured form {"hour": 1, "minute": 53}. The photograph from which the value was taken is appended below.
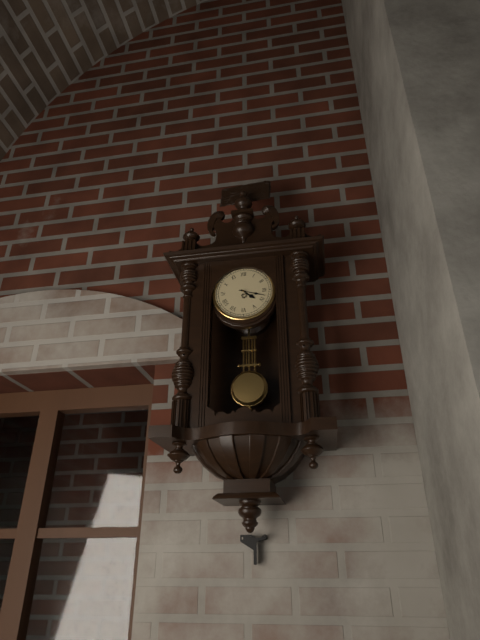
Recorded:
{"hour": 4, "minute": 18}
